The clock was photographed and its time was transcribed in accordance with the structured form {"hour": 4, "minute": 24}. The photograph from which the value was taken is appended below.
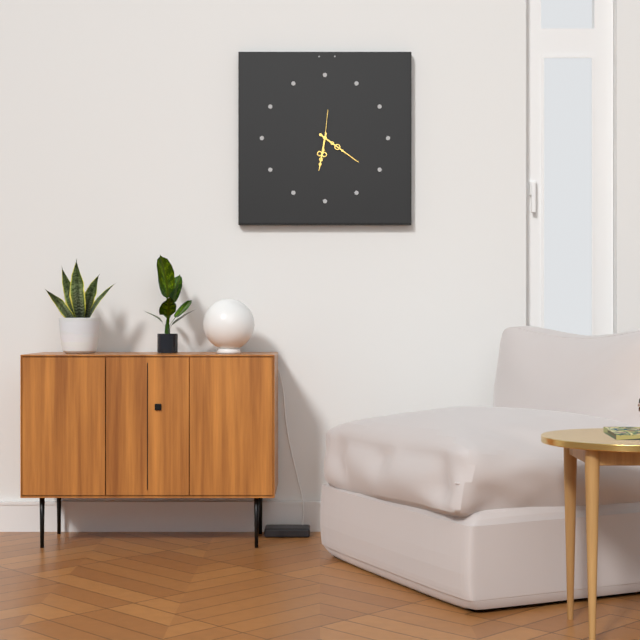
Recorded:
{"hour": 6, "minute": 21}
